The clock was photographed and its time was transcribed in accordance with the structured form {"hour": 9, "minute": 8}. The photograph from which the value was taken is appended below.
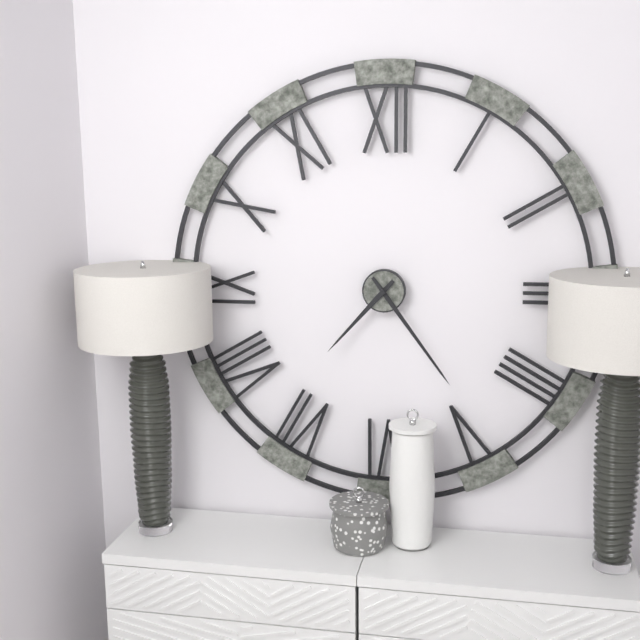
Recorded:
{"hour": 7, "minute": 24}
